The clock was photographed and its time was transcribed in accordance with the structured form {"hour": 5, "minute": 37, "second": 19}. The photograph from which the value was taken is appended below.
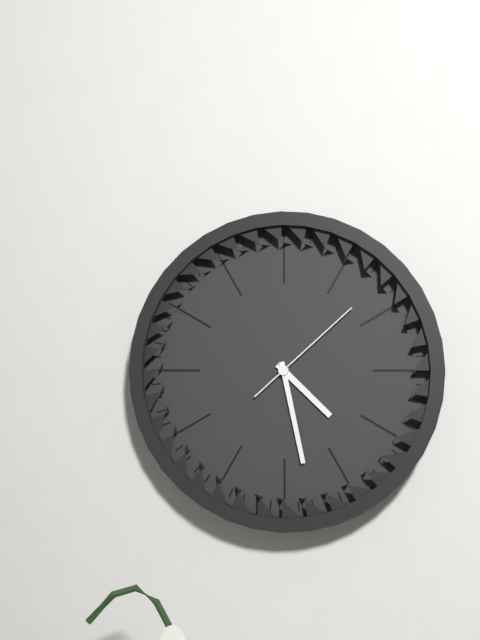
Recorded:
{"hour": 4, "minute": 28, "second": 8}
